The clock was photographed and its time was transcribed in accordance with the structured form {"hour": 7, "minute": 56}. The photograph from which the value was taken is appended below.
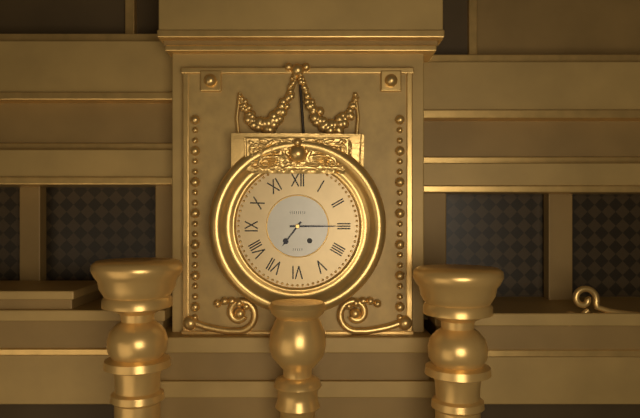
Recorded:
{"hour": 7, "minute": 15}
